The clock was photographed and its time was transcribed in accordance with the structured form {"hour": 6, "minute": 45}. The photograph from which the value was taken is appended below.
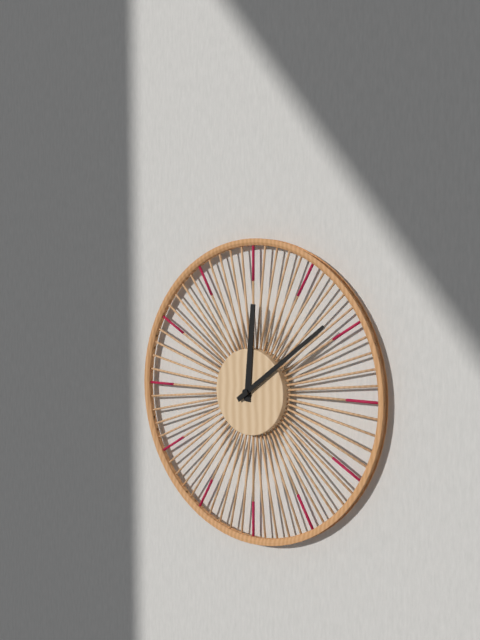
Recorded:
{"hour": 12, "minute": 9}
